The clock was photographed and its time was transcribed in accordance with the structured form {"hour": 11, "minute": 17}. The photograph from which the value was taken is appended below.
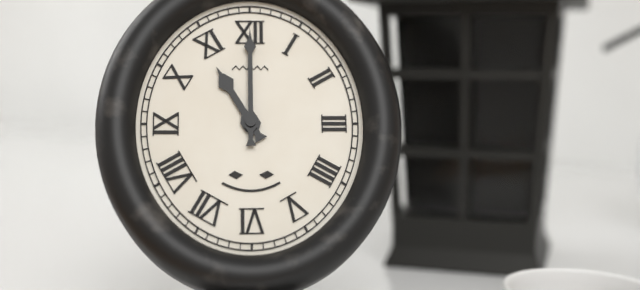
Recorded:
{"hour": 11, "minute": 0}
